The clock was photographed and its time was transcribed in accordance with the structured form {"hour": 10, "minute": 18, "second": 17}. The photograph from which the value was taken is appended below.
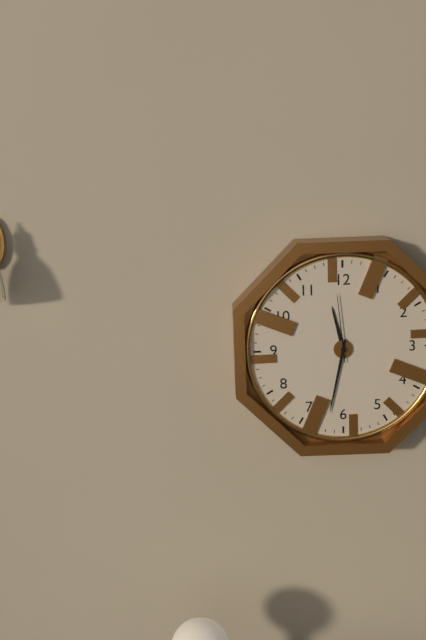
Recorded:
{"hour": 11, "minute": 32, "second": 59}
